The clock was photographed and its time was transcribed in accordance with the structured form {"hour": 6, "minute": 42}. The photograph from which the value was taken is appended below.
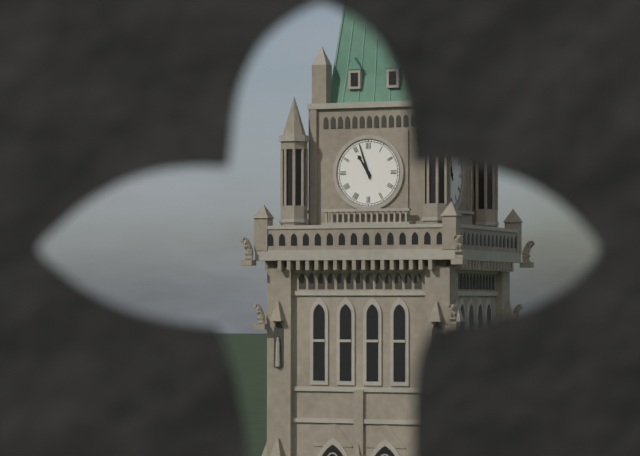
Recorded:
{"hour": 10, "minute": 57}
